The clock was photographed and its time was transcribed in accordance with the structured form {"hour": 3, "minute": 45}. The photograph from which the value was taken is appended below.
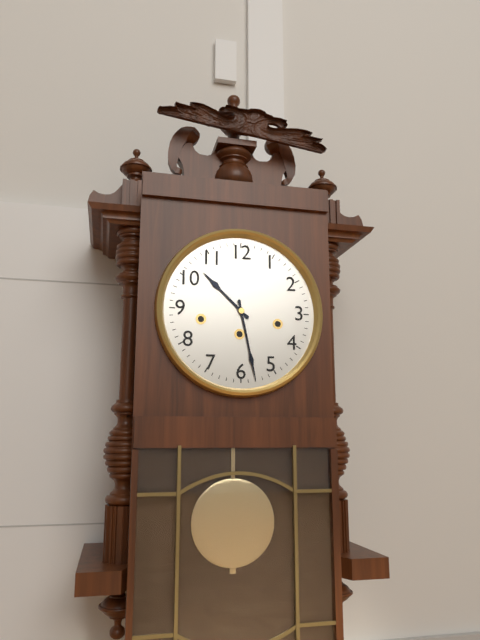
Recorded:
{"hour": 10, "minute": 28}
